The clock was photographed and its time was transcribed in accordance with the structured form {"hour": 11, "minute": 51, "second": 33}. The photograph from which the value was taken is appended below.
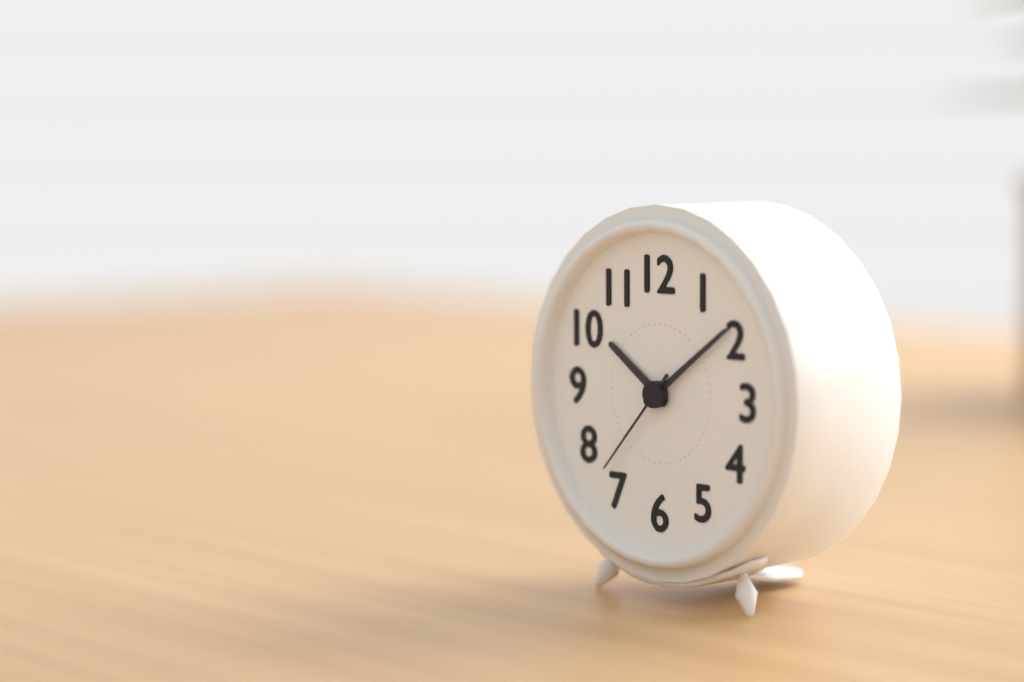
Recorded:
{"hour": 10, "minute": 9, "second": 37}
